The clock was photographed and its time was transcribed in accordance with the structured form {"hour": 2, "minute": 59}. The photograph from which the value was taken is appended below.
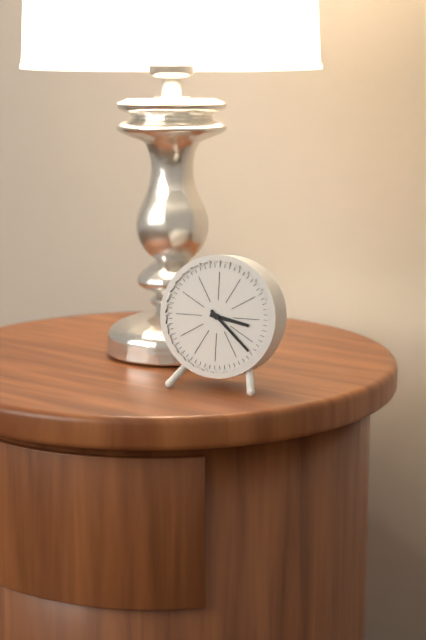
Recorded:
{"hour": 3, "minute": 22}
